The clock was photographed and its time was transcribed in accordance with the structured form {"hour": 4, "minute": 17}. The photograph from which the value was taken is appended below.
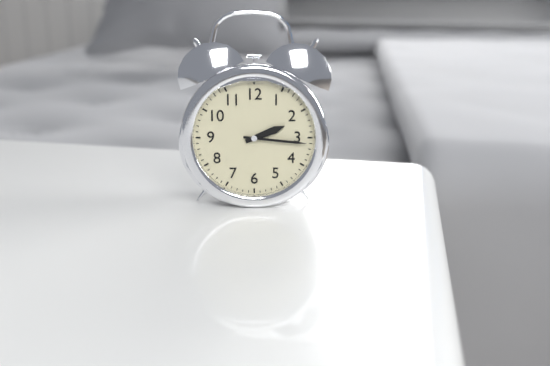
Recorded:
{"hour": 2, "minute": 16}
